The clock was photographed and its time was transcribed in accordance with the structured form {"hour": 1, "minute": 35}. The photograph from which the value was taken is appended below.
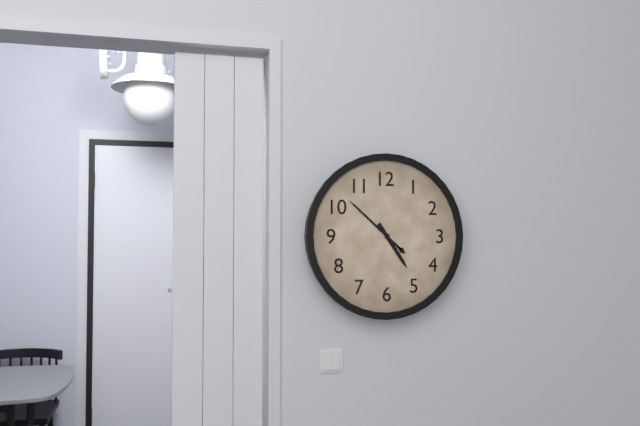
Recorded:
{"hour": 4, "minute": 52}
